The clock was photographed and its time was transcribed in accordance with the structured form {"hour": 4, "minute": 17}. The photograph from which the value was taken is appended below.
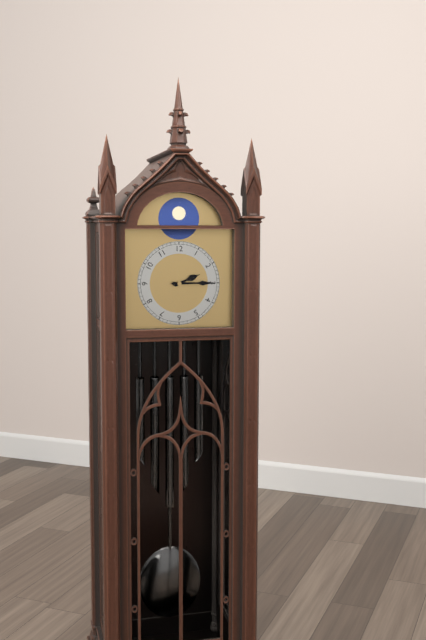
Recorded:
{"hour": 2, "minute": 15}
